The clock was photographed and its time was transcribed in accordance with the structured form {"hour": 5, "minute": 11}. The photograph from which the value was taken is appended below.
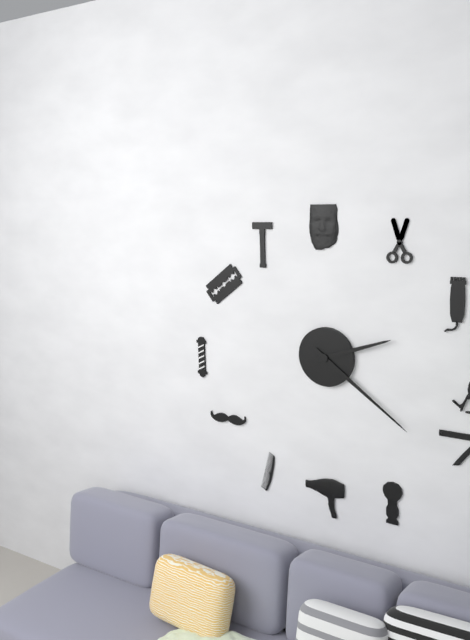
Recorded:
{"hour": 2, "minute": 21}
